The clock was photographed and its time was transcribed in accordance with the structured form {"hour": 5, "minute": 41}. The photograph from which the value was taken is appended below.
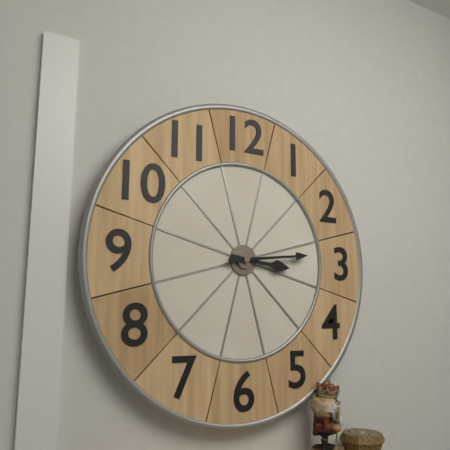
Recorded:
{"hour": 3, "minute": 14}
